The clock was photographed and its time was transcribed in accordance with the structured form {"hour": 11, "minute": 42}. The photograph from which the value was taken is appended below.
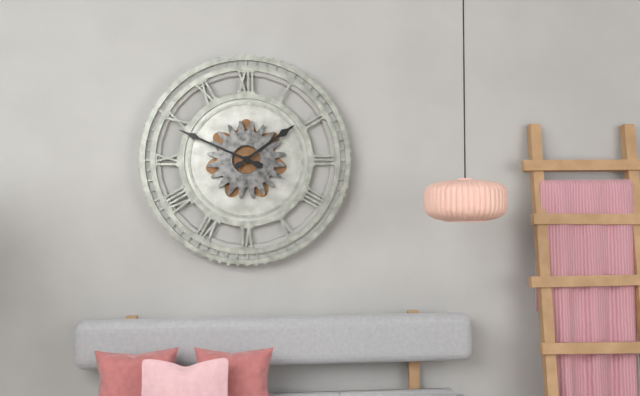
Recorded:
{"hour": 1, "minute": 49}
